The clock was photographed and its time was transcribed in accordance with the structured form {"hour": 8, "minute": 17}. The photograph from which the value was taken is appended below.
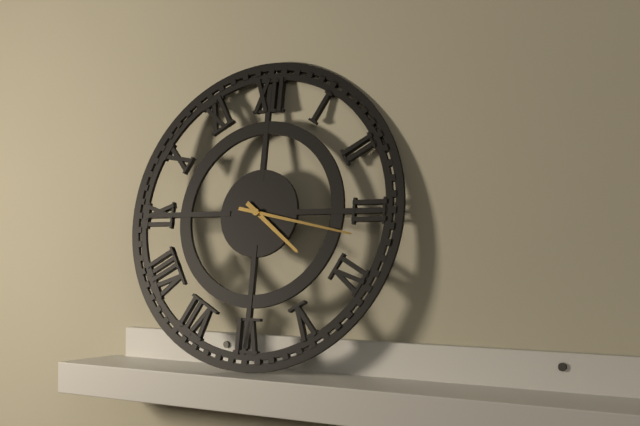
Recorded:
{"hour": 4, "minute": 17}
